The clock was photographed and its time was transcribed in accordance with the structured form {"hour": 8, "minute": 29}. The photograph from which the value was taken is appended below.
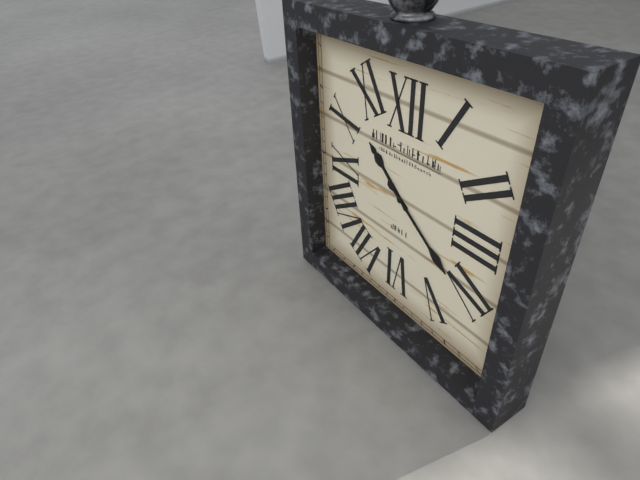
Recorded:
{"hour": 10, "minute": 21}
